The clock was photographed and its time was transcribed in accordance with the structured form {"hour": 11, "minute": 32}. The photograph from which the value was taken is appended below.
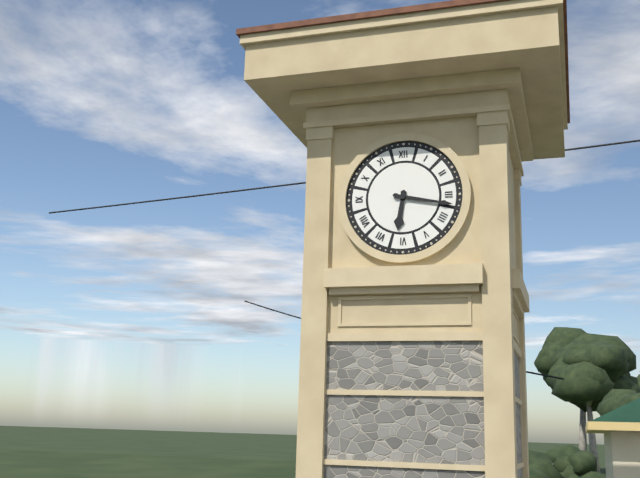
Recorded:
{"hour": 6, "minute": 17}
